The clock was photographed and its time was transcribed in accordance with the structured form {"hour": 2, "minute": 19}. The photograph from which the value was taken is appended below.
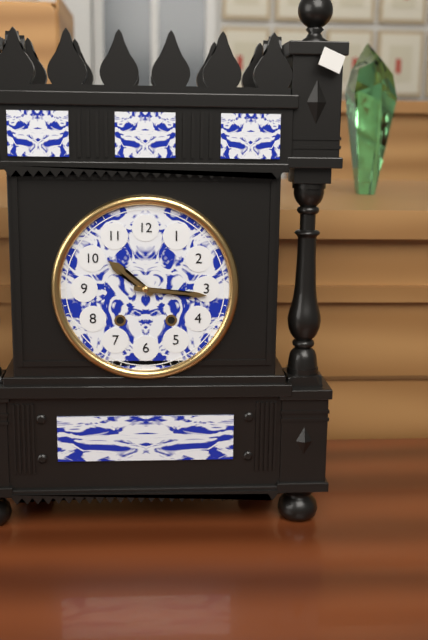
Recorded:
{"hour": 10, "minute": 16}
